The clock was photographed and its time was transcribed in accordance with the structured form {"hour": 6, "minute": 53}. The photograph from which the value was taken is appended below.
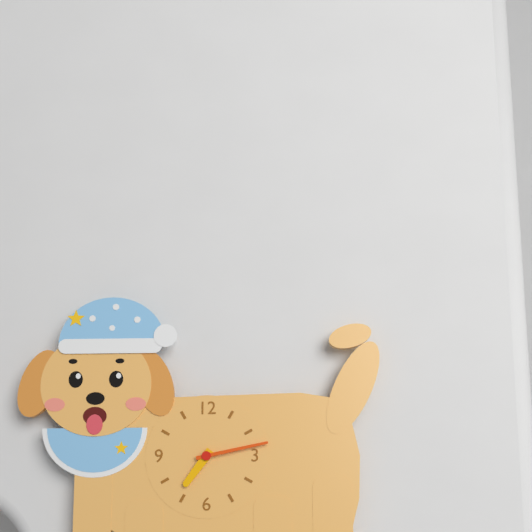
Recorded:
{"hour": 7, "minute": 13}
